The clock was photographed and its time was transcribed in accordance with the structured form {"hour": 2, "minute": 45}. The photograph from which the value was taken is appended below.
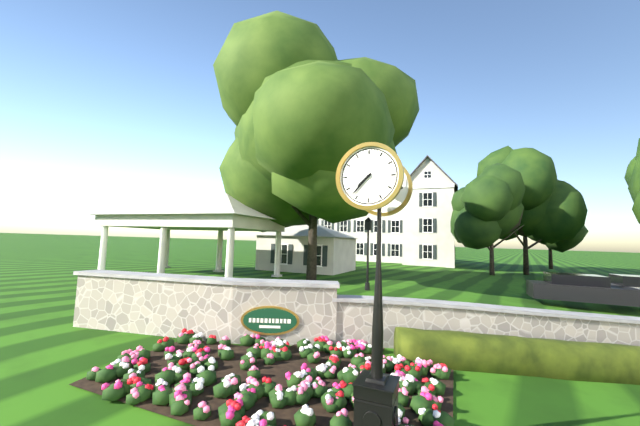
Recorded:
{"hour": 7, "minute": 37}
